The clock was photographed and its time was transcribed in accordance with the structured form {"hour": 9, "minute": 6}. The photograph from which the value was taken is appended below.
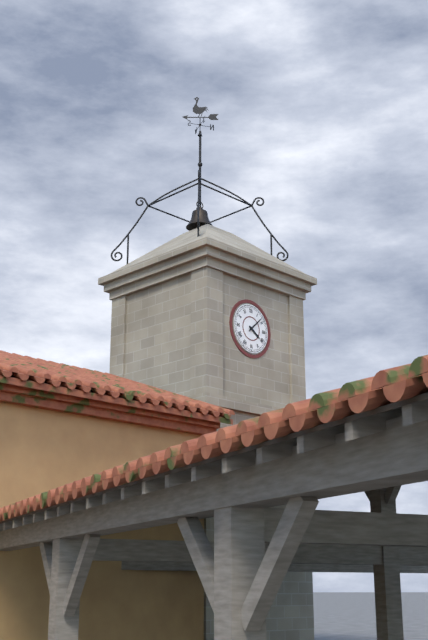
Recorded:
{"hour": 4, "minute": 8}
